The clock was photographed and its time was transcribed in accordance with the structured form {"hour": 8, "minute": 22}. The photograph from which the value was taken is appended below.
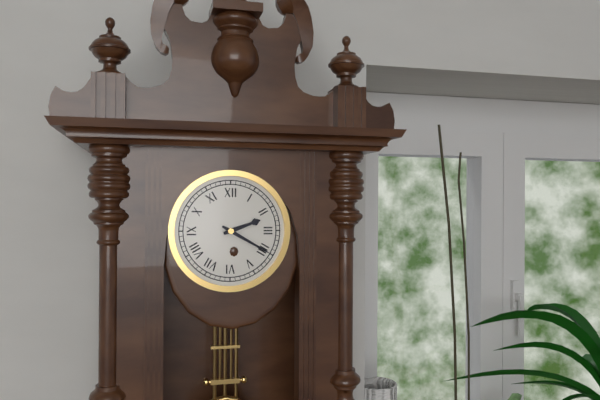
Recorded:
{"hour": 2, "minute": 20}
